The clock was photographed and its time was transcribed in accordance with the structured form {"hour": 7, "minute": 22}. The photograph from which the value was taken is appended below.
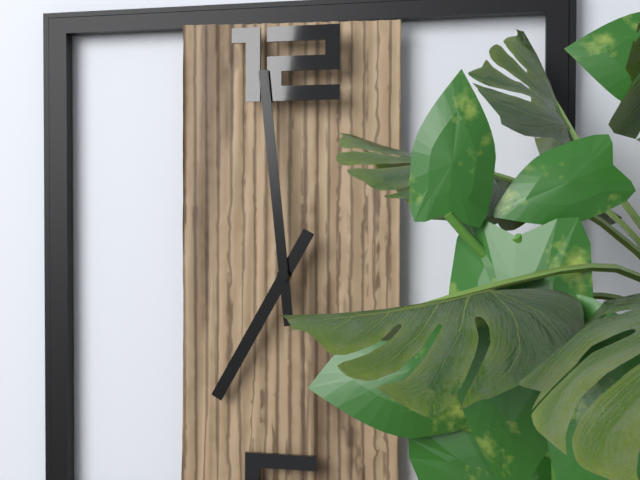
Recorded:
{"hour": 6, "minute": 59}
